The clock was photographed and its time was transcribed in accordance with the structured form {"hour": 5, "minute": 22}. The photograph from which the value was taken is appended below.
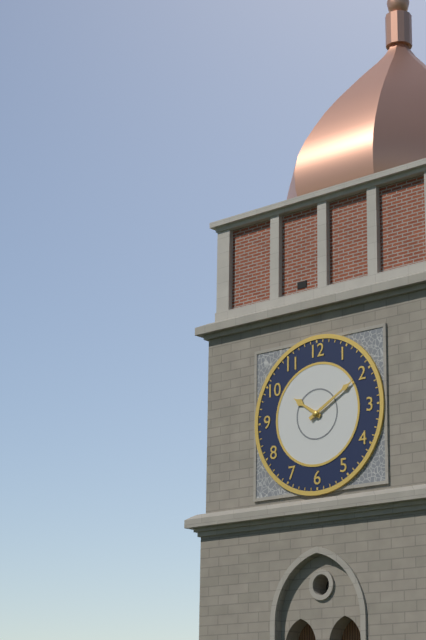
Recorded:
{"hour": 10, "minute": 10}
